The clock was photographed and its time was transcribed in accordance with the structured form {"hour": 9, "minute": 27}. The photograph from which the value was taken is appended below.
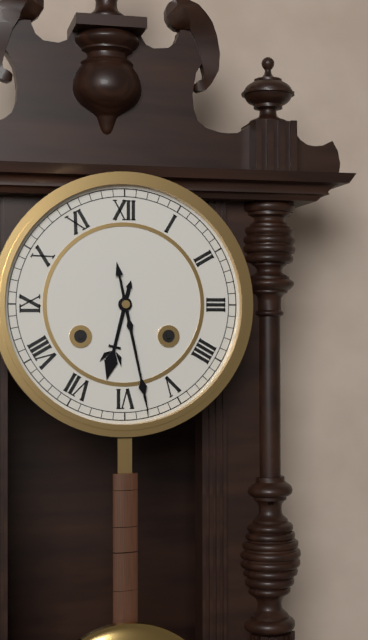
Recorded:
{"hour": 6, "minute": 28}
